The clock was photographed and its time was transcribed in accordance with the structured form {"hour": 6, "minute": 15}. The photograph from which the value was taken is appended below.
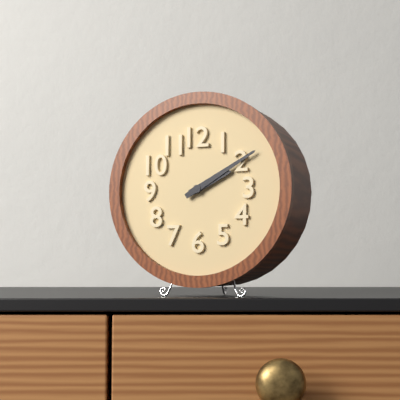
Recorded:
{"hour": 2, "minute": 10}
